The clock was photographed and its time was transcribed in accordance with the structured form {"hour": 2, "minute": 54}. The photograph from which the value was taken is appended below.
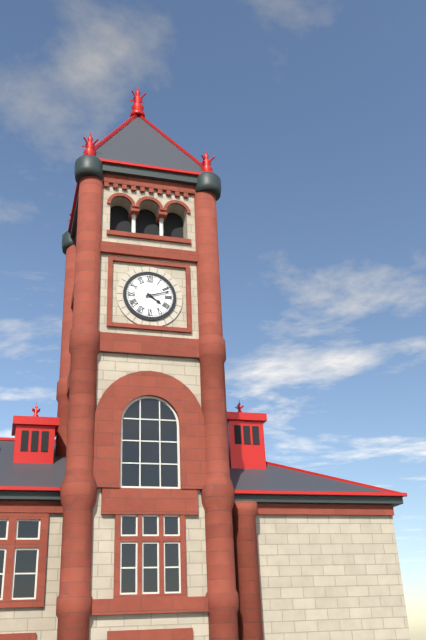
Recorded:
{"hour": 4, "minute": 12}
